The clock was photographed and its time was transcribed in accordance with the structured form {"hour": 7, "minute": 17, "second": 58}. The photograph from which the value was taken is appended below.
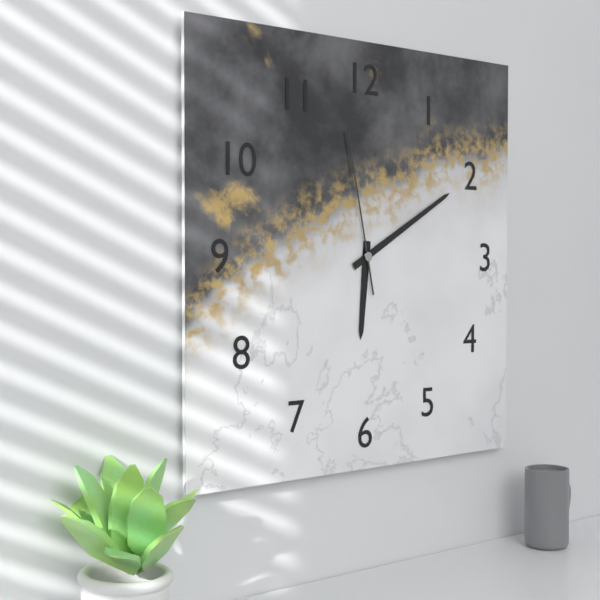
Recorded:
{"hour": 6, "minute": 10, "second": 58}
